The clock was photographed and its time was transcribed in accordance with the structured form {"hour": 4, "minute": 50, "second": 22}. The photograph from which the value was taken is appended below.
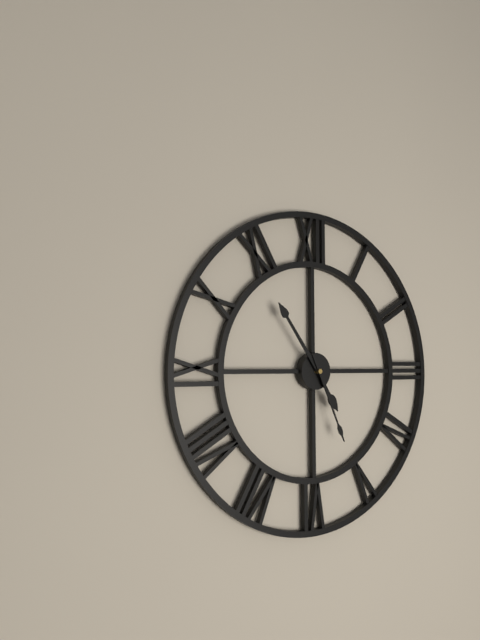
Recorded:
{"hour": 4, "minute": 54, "second": 26}
